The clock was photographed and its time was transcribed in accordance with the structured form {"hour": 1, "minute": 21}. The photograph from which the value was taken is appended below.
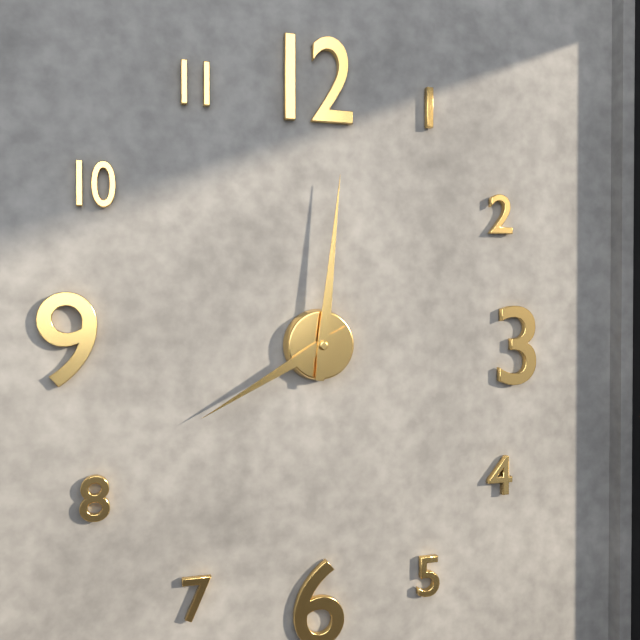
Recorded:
{"hour": 8, "minute": 1}
